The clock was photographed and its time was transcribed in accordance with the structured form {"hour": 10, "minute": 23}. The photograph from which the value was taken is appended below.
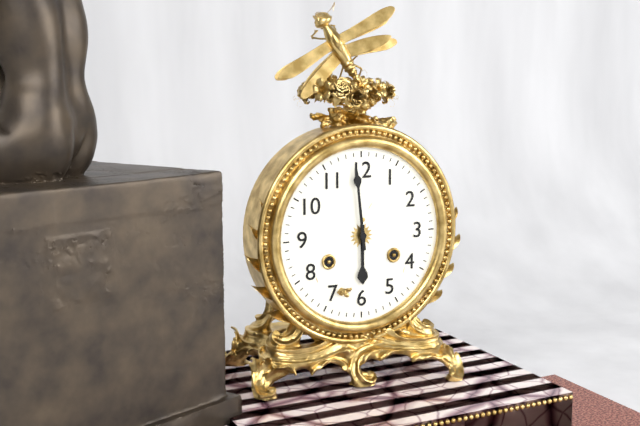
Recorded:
{"hour": 5, "minute": 59}
